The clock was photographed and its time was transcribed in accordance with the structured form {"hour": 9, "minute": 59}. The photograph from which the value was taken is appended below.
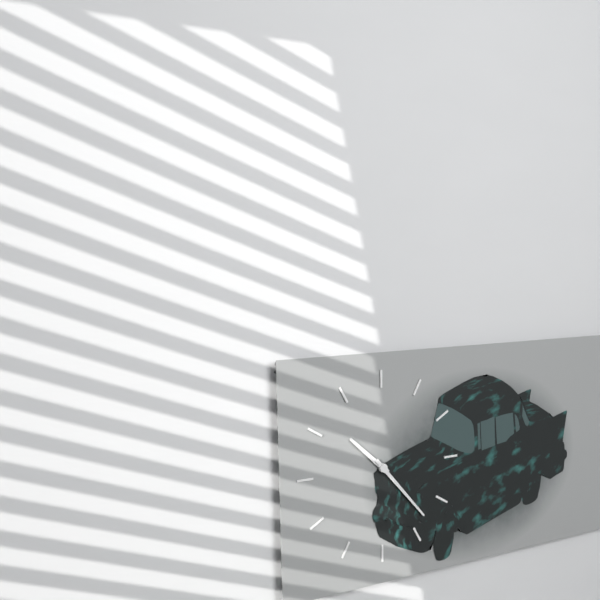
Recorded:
{"hour": 10, "minute": 23}
